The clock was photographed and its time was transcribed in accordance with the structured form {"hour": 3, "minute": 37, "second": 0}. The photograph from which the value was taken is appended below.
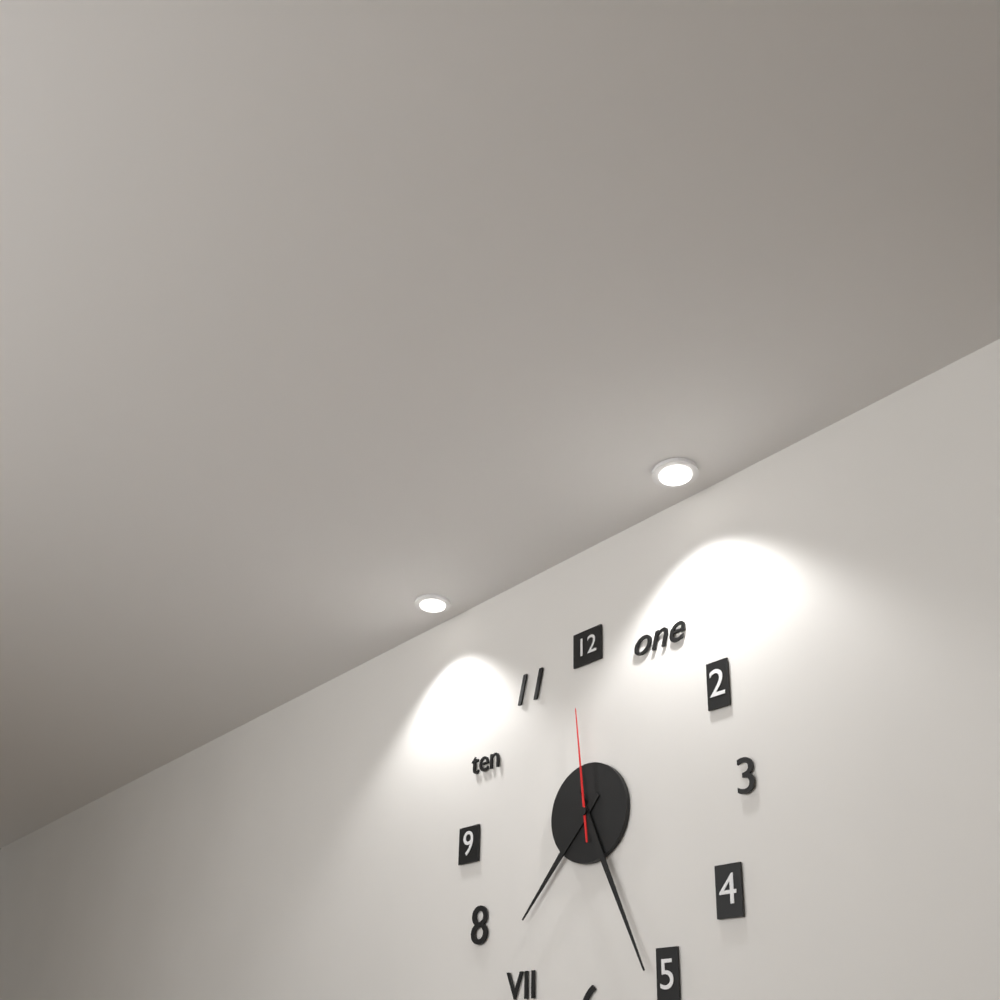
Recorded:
{"hour": 7, "minute": 26, "second": 59}
